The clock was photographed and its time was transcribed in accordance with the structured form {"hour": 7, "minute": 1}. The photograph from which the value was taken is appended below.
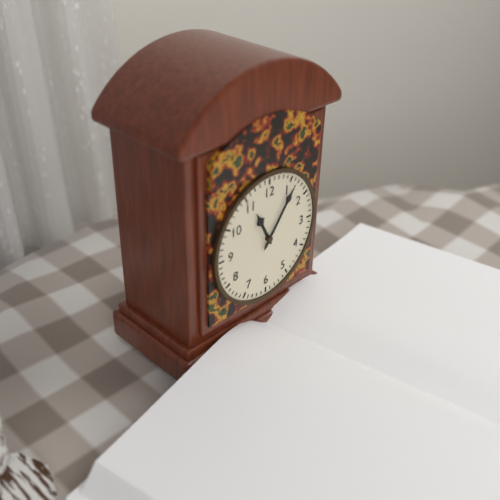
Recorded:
{"hour": 11, "minute": 6}
